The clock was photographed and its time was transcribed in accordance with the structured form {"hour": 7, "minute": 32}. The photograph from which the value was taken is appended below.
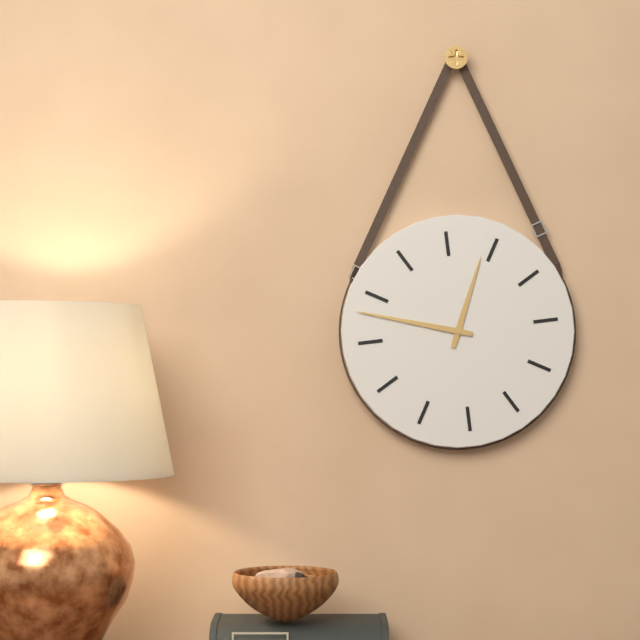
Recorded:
{"hour": 12, "minute": 48}
